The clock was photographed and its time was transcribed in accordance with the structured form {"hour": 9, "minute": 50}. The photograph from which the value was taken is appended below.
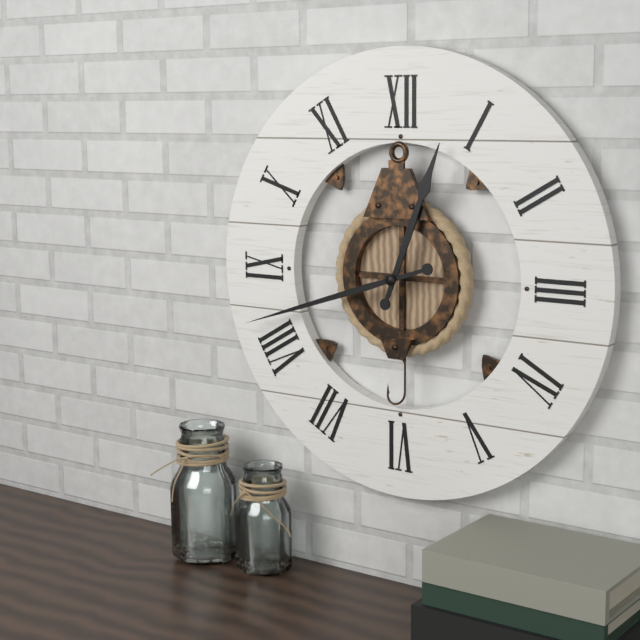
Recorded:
{"hour": 12, "minute": 42}
